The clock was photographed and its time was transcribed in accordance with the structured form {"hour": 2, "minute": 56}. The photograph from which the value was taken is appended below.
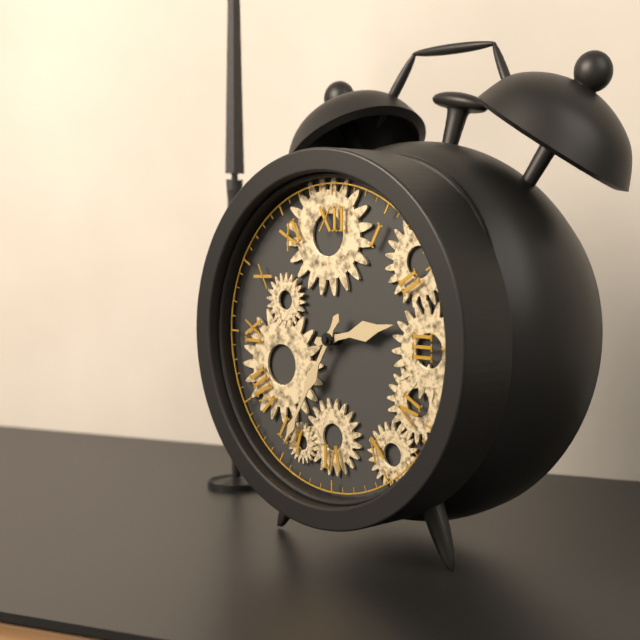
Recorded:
{"hour": 2, "minute": 35}
